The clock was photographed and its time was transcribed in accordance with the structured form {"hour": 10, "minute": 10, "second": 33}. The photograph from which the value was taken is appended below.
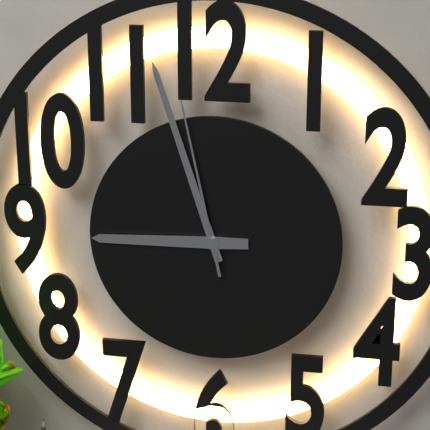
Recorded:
{"hour": 8, "minute": 57, "second": 58}
